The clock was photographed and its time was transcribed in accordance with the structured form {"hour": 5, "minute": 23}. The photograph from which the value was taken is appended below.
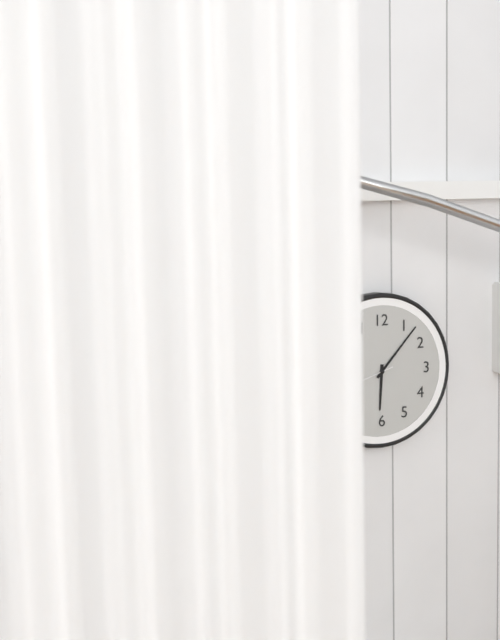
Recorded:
{"hour": 6, "minute": 7}
